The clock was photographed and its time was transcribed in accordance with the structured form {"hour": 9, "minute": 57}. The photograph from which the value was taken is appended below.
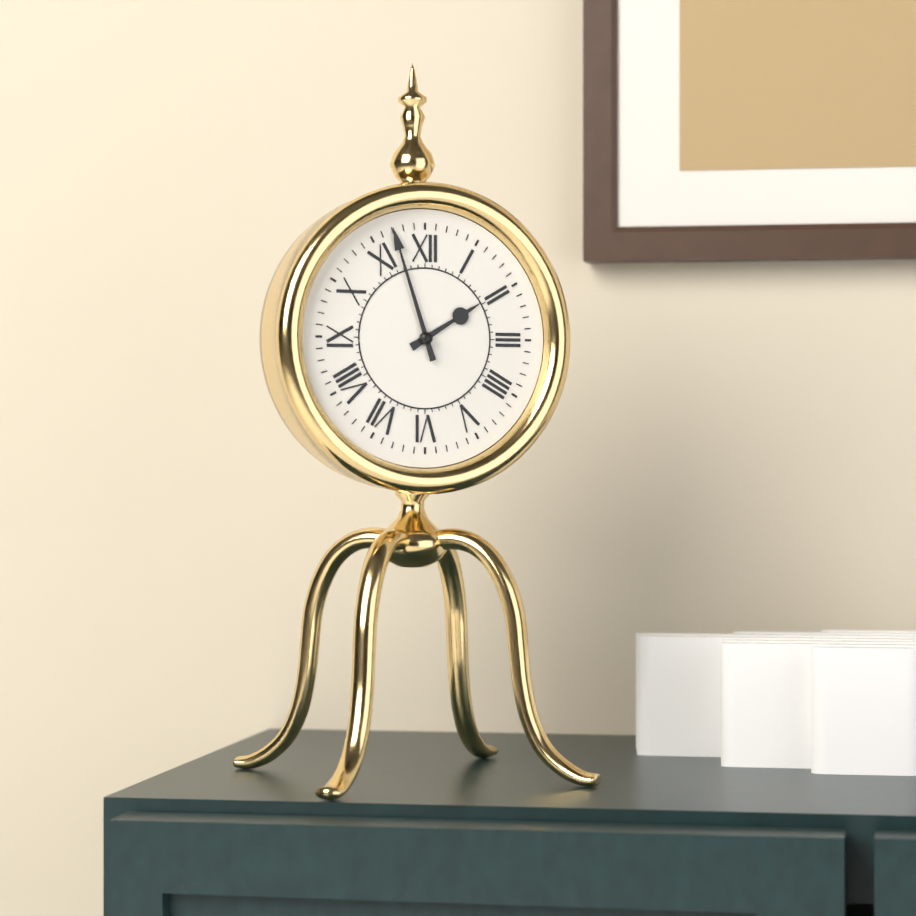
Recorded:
{"hour": 1, "minute": 57}
